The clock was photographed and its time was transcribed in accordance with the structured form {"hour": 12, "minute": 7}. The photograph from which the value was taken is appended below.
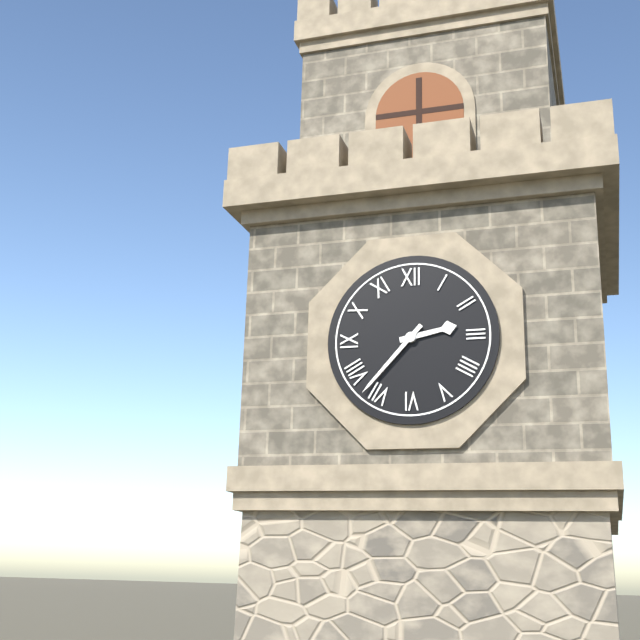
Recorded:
{"hour": 2, "minute": 37}
